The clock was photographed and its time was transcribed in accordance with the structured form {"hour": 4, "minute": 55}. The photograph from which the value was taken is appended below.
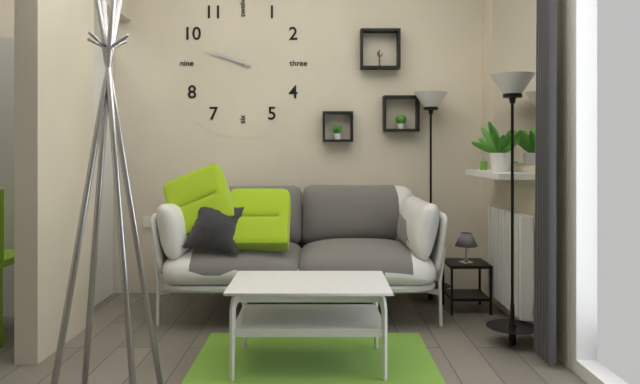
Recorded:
{"hour": 9, "minute": 48}
